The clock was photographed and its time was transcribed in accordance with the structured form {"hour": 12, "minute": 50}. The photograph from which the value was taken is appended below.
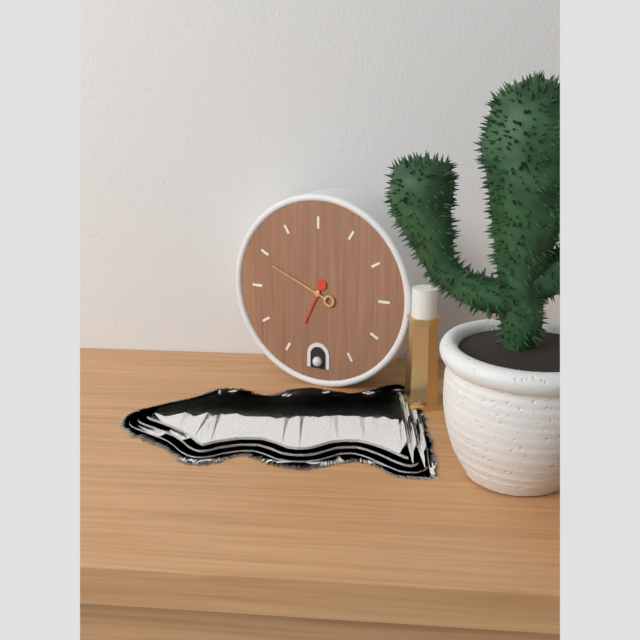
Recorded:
{"hour": 6, "minute": 49}
